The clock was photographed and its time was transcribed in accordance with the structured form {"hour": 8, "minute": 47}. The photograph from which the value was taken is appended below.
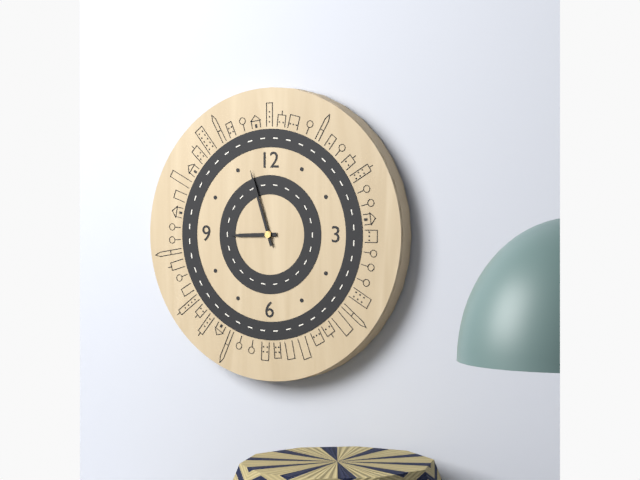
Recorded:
{"hour": 8, "minute": 57}
